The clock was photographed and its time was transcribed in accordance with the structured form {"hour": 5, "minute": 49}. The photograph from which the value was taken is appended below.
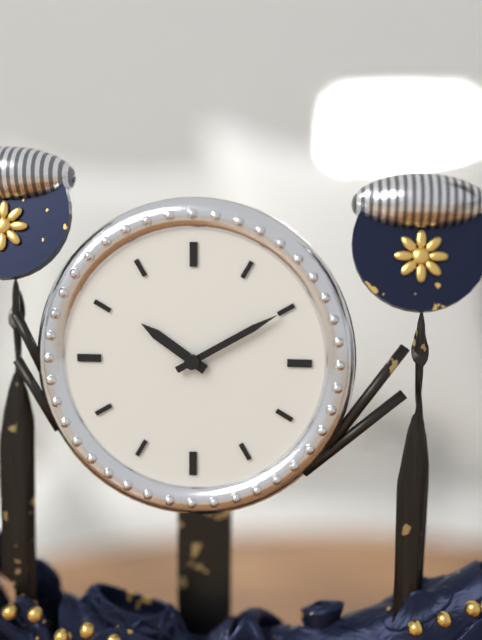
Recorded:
{"hour": 10, "minute": 10}
